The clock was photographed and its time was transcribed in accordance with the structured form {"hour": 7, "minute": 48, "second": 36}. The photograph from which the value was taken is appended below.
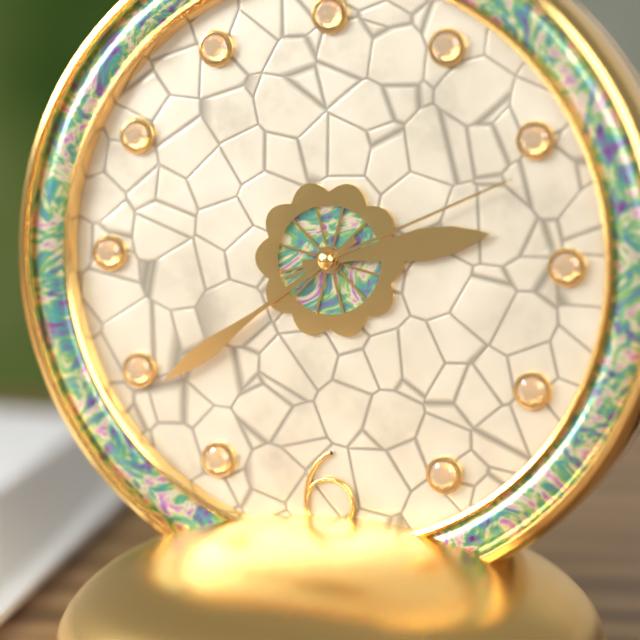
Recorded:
{"hour": 2, "minute": 39, "second": 11}
